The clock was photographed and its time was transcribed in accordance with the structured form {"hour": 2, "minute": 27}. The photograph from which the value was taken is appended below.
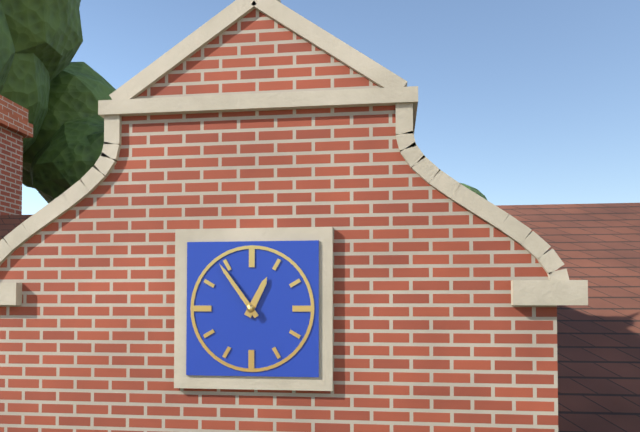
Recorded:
{"hour": 12, "minute": 54}
